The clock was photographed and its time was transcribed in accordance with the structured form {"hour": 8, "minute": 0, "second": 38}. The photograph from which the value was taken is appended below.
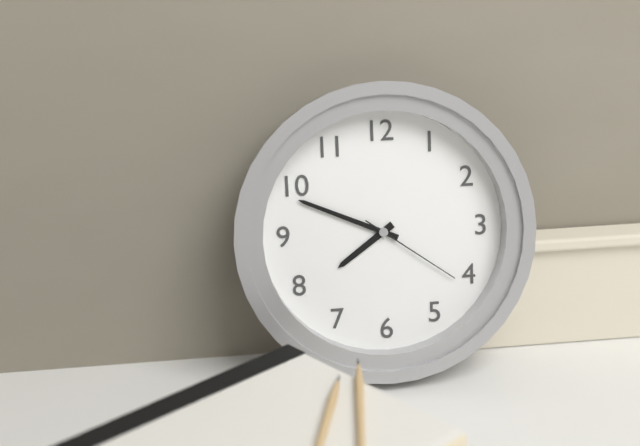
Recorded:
{"hour": 7, "minute": 49, "second": 21}
